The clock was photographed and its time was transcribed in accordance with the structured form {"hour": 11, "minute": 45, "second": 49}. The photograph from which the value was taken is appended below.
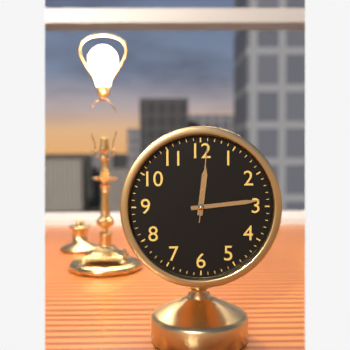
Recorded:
{"hour": 12, "minute": 14, "second": 1}
